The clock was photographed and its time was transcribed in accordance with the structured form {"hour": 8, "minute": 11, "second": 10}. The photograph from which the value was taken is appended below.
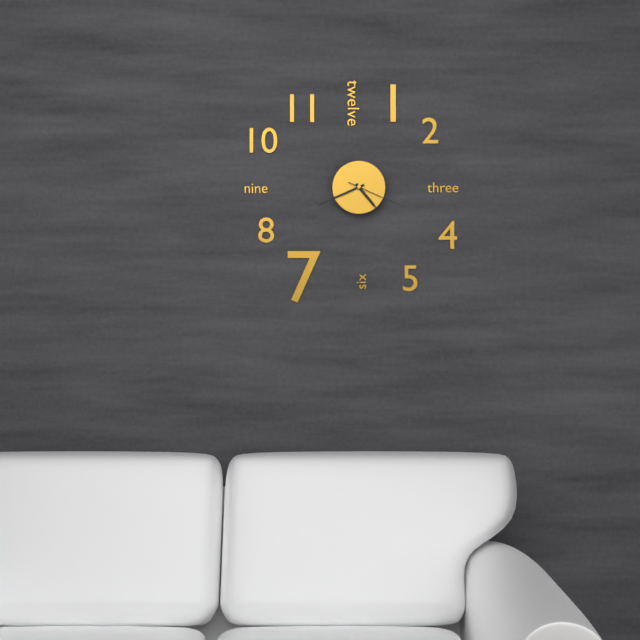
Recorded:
{"hour": 4, "minute": 41, "second": 19}
